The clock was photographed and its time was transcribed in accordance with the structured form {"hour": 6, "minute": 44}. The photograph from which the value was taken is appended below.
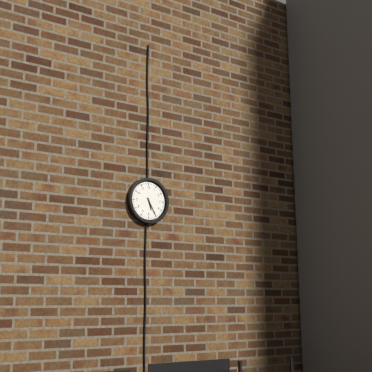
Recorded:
{"hour": 5, "minute": 25}
